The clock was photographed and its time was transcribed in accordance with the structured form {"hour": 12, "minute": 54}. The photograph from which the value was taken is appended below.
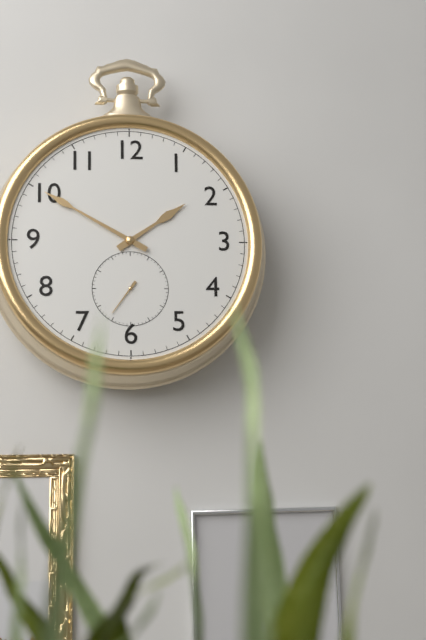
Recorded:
{"hour": 1, "minute": 50}
